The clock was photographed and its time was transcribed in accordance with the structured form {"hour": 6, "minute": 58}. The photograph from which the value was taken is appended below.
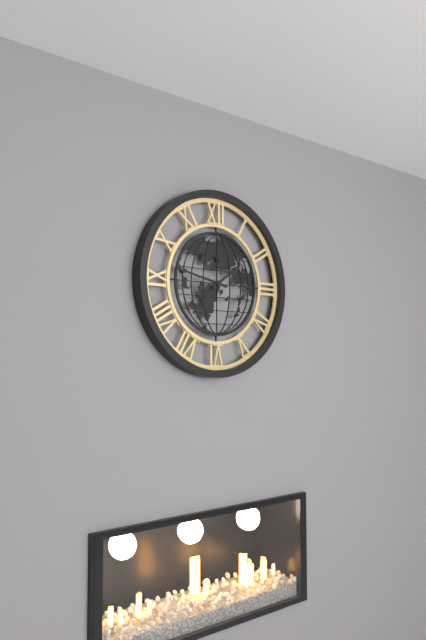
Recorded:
{"hour": 1, "minute": 47}
